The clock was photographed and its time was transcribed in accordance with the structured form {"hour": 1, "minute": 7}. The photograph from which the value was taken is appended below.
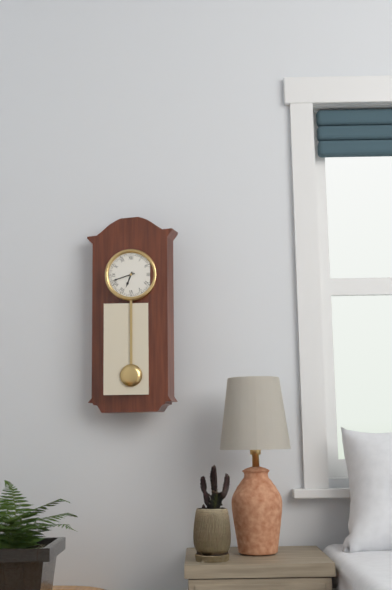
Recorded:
{"hour": 6, "minute": 42}
